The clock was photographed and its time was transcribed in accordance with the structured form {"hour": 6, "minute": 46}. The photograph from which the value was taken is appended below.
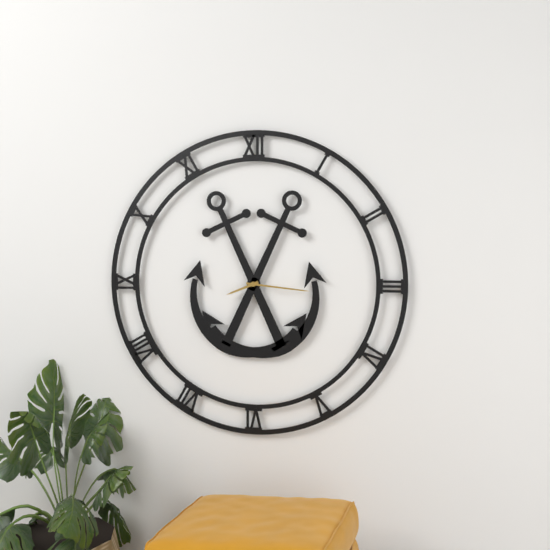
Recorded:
{"hour": 8, "minute": 16}
